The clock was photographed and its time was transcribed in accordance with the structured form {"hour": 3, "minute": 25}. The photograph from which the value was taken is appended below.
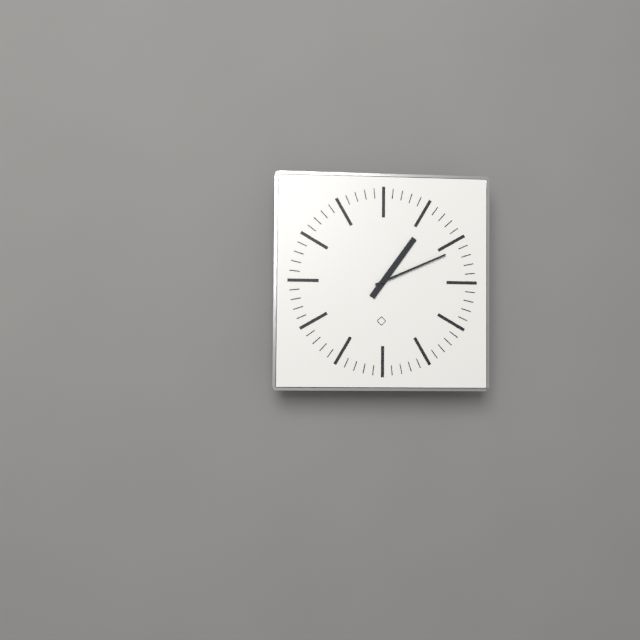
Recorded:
{"hour": 1, "minute": 11}
